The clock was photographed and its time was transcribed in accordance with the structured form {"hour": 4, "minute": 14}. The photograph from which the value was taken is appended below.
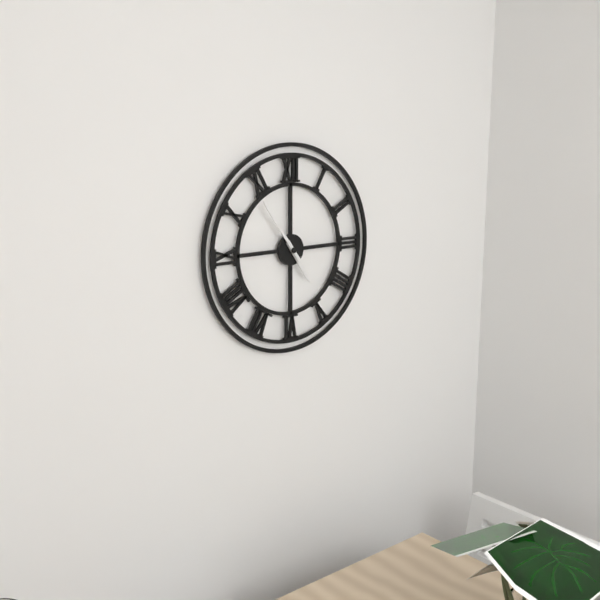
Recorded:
{"hour": 4, "minute": 54}
